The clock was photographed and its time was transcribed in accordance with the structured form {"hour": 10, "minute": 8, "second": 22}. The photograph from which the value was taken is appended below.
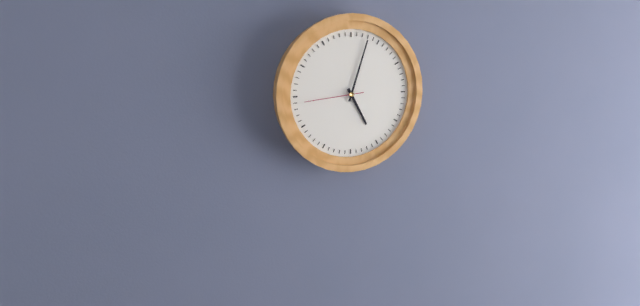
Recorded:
{"hour": 5, "minute": 3, "second": 44}
